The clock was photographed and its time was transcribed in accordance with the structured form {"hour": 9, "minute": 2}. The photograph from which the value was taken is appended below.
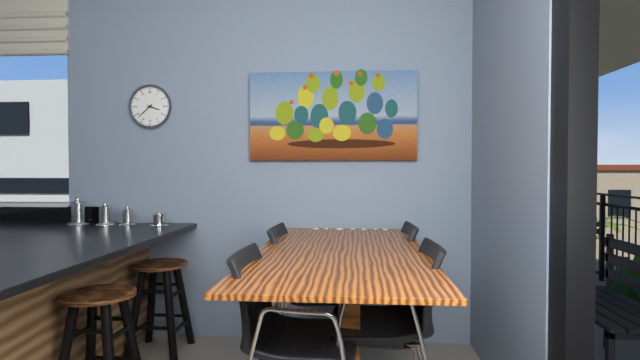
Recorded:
{"hour": 3, "minute": 38}
